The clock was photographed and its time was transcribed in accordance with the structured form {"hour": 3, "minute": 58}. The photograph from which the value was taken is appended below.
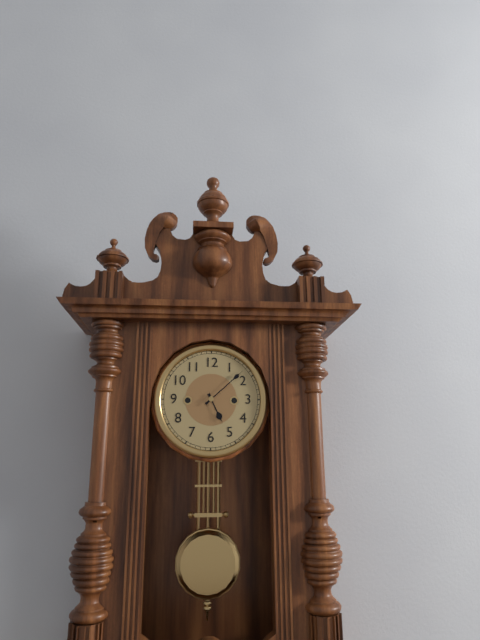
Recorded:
{"hour": 5, "minute": 8}
